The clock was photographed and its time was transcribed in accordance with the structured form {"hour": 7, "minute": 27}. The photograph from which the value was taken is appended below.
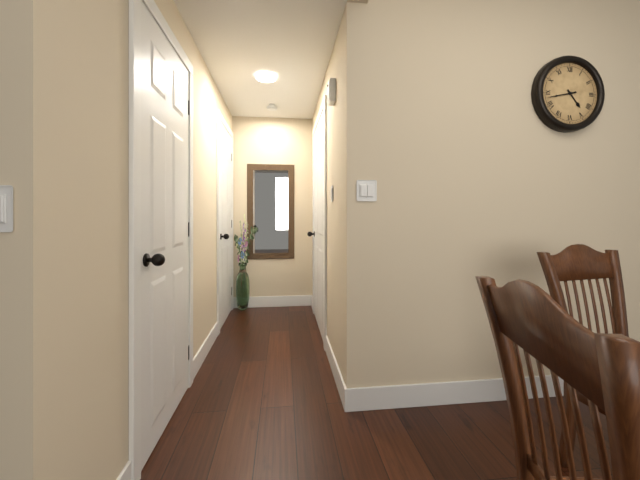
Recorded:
{"hour": 4, "minute": 43}
